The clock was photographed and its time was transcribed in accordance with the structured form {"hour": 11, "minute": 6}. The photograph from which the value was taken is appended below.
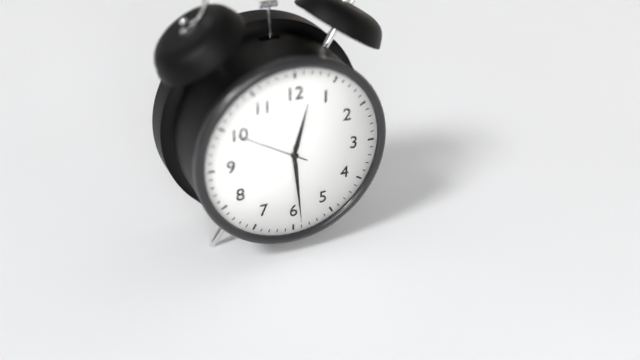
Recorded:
{"hour": 12, "minute": 29}
